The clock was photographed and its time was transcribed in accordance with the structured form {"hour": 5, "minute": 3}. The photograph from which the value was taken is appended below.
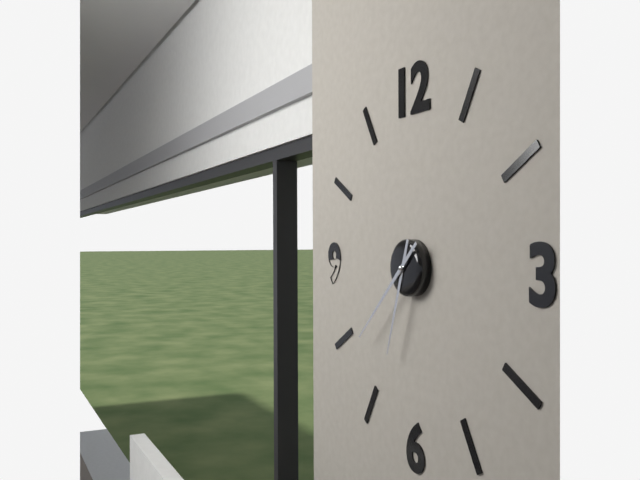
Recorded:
{"hour": 6, "minute": 38}
